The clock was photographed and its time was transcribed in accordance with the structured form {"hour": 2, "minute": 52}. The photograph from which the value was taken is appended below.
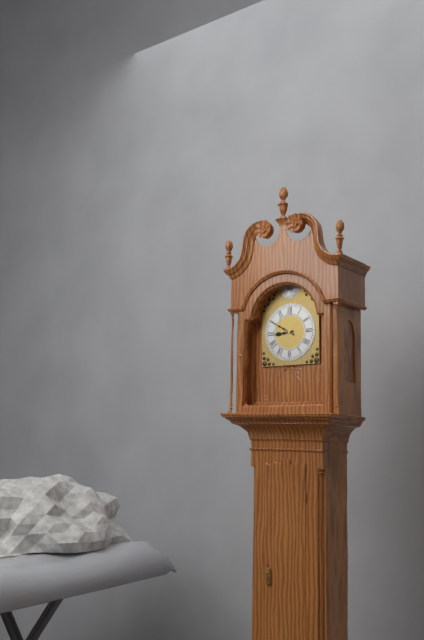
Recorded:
{"hour": 8, "minute": 50}
